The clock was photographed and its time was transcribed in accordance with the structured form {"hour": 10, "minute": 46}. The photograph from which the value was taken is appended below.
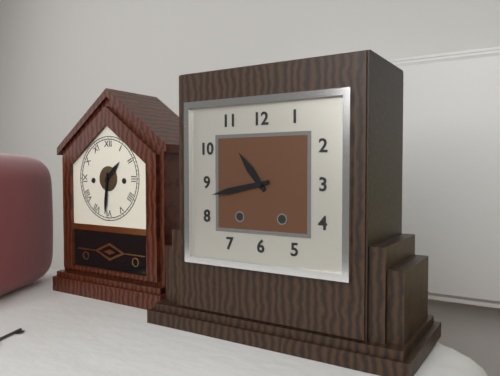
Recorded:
{"hour": 10, "minute": 43}
